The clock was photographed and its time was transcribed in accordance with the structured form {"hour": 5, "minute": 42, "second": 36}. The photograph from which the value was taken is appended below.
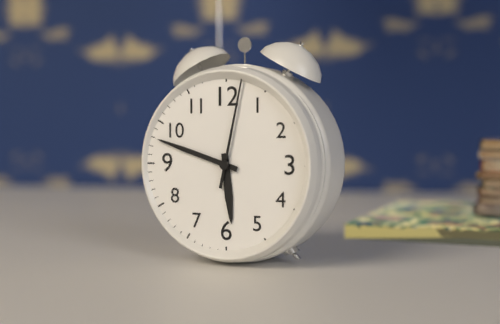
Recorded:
{"hour": 5, "minute": 48, "second": 2}
